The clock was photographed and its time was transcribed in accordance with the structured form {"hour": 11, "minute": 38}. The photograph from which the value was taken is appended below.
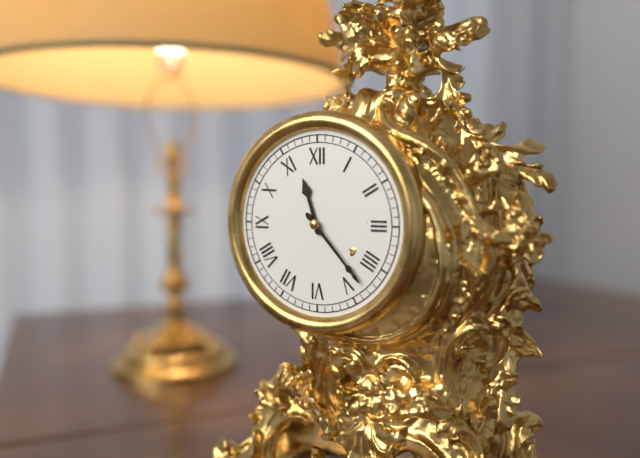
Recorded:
{"hour": 11, "minute": 23}
